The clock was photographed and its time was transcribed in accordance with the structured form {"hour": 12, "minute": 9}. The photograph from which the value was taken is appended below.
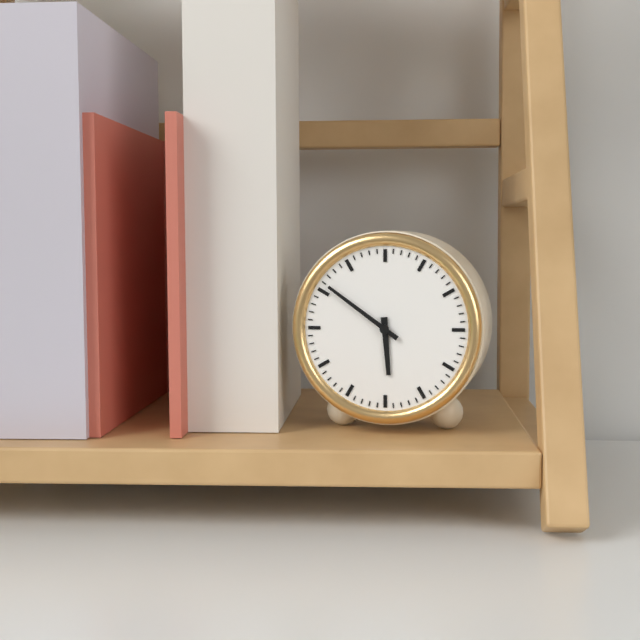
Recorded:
{"hour": 5, "minute": 51}
